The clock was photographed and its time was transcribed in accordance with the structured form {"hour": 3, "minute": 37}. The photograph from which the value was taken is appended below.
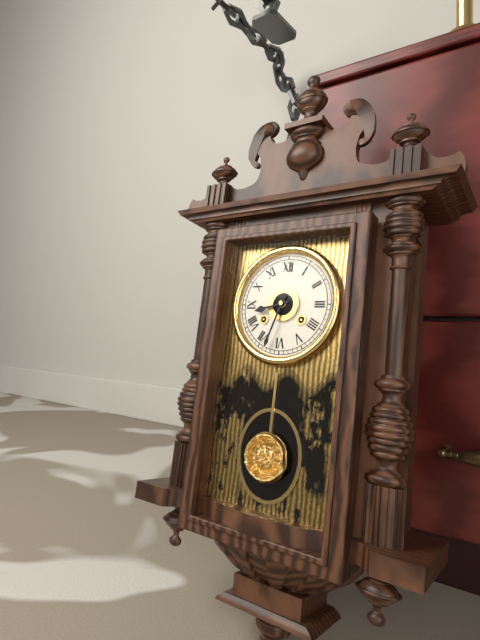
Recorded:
{"hour": 8, "minute": 33}
